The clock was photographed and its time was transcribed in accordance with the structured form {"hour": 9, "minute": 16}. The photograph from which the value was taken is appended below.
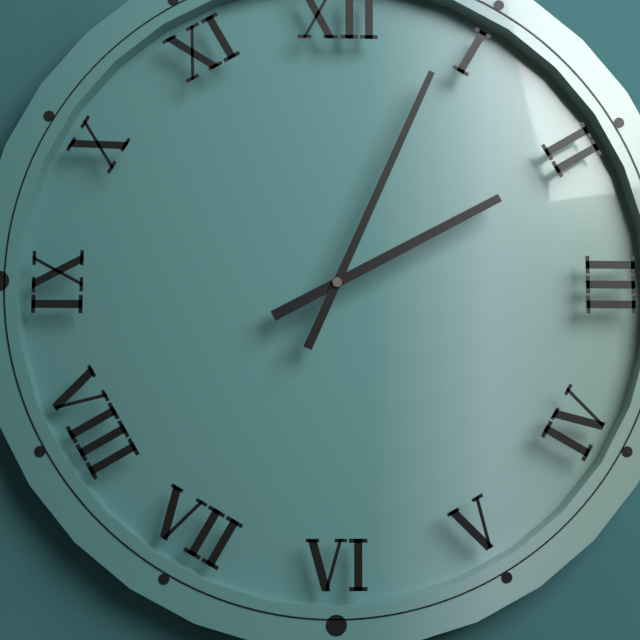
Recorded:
{"hour": 2, "minute": 4}
